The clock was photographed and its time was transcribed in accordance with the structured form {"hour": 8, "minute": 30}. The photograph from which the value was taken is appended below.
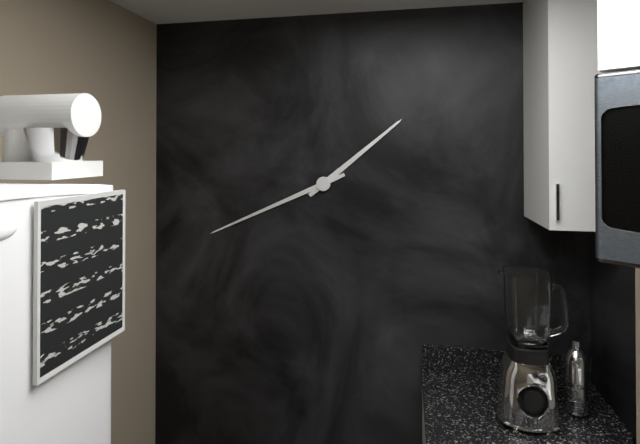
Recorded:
{"hour": 1, "minute": 41}
